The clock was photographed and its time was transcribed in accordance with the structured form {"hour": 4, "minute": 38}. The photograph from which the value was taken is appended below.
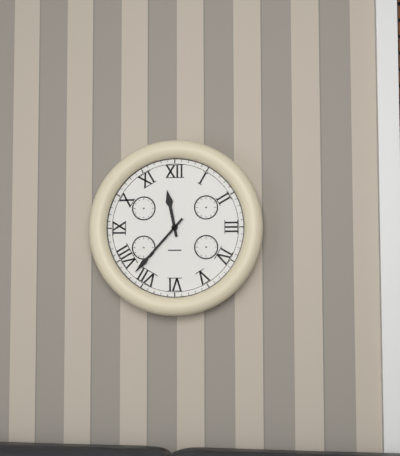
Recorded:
{"hour": 11, "minute": 37}
